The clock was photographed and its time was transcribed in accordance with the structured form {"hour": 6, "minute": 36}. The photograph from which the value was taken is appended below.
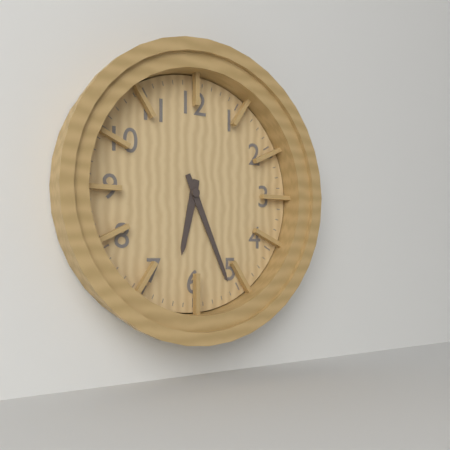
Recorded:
{"hour": 6, "minute": 26}
